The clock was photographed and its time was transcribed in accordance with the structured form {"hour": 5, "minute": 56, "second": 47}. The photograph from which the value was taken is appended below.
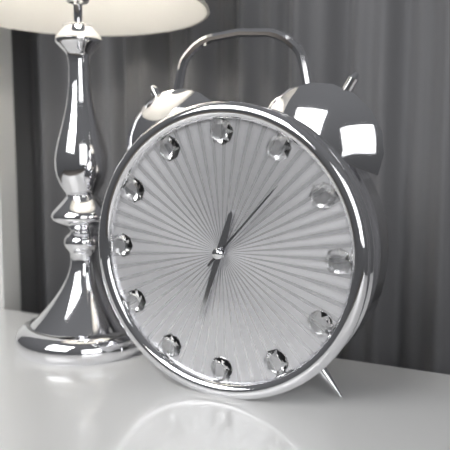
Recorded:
{"hour": 12, "minute": 33, "second": 7}
